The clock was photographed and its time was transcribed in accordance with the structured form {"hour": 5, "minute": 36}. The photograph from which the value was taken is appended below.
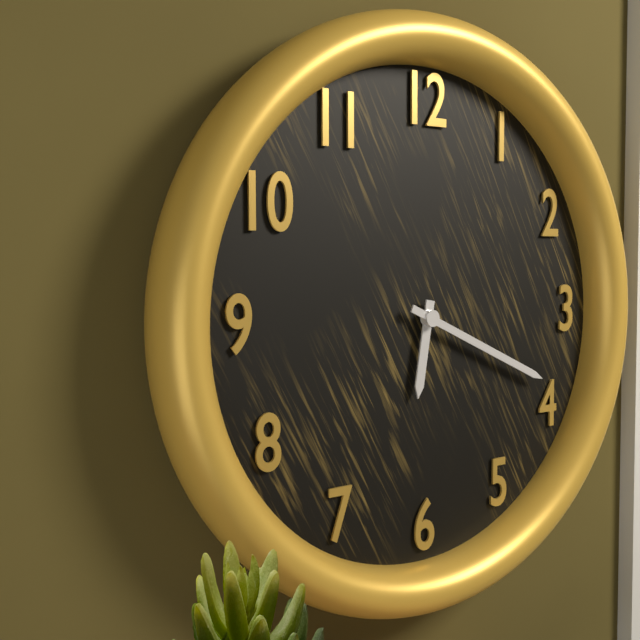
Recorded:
{"hour": 6, "minute": 19}
